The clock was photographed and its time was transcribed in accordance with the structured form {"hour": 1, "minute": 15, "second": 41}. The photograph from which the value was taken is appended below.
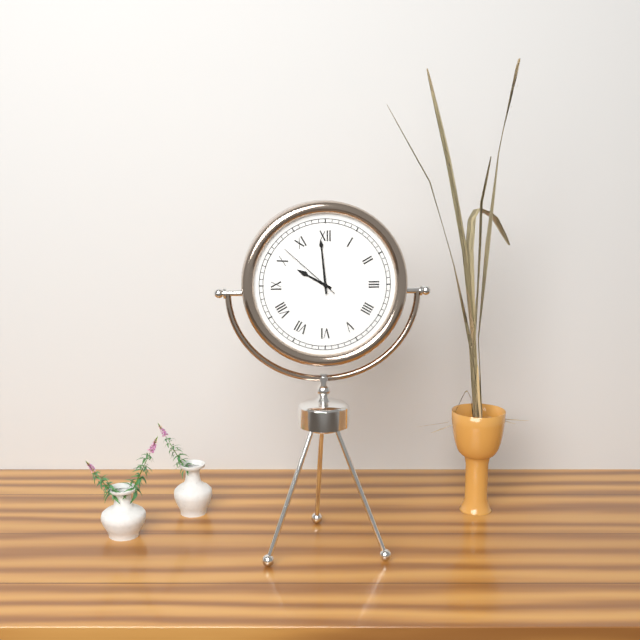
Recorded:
{"hour": 9, "minute": 59, "second": 52}
